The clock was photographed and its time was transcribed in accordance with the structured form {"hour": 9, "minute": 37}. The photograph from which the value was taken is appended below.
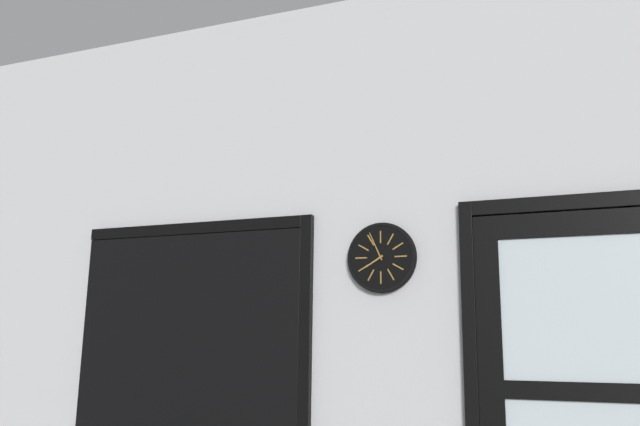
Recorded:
{"hour": 7, "minute": 56}
